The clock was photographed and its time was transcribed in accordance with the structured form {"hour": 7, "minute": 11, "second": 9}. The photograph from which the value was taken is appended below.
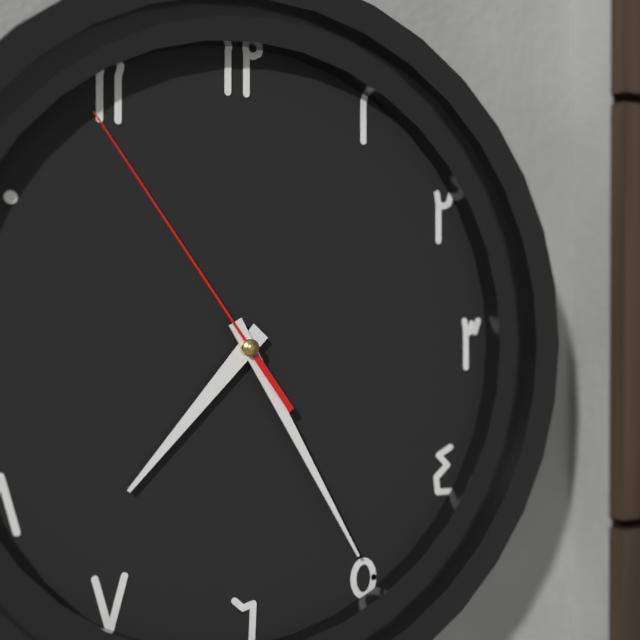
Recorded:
{"hour": 7, "minute": 25, "second": 54}
